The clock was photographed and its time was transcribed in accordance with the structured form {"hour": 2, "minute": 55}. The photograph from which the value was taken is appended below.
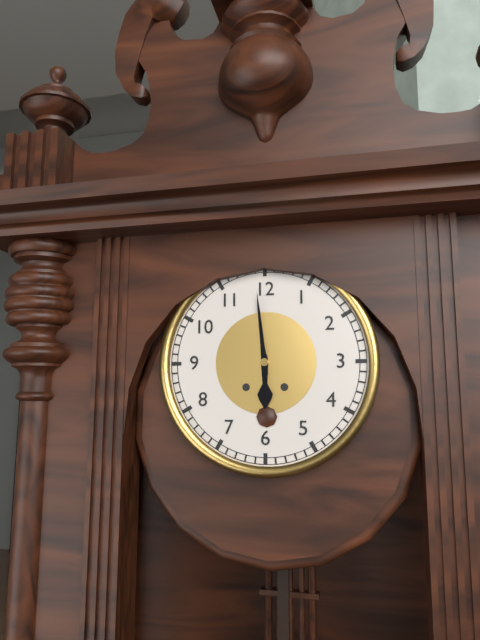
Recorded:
{"hour": 5, "minute": 59}
